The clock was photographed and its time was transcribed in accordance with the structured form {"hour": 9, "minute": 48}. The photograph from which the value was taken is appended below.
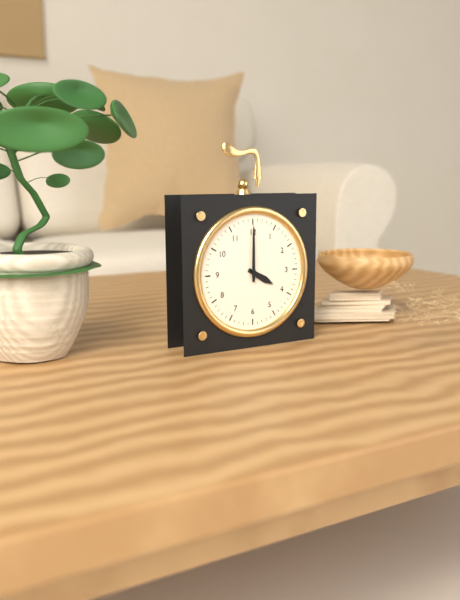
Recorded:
{"hour": 4, "minute": 0}
